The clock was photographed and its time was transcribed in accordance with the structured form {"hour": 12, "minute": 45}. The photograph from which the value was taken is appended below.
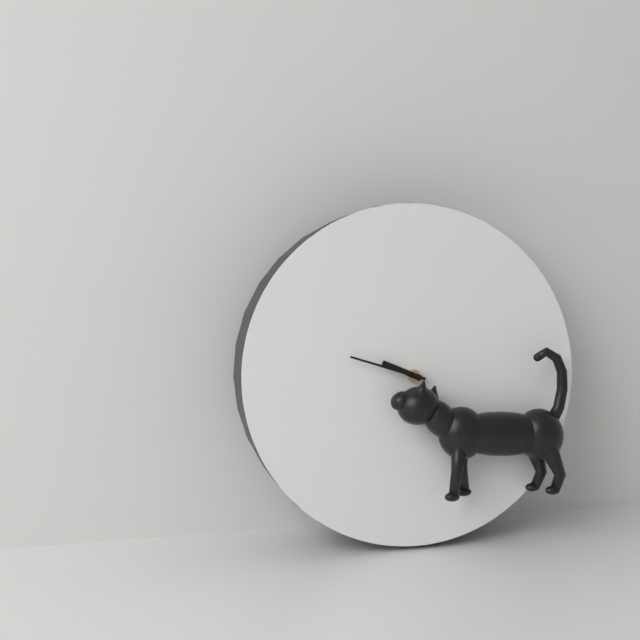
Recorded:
{"hour": 9, "minute": 48}
